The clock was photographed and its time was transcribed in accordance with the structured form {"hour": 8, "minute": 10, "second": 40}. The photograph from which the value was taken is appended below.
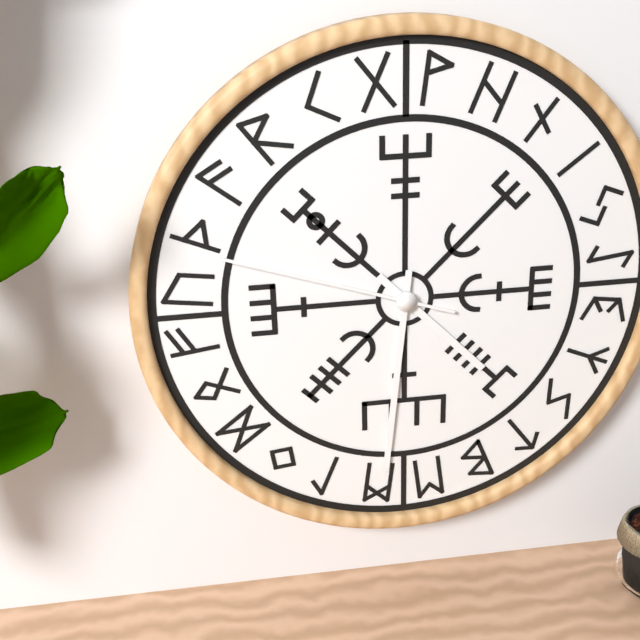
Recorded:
{"hour": 4, "minute": 31, "second": 48}
